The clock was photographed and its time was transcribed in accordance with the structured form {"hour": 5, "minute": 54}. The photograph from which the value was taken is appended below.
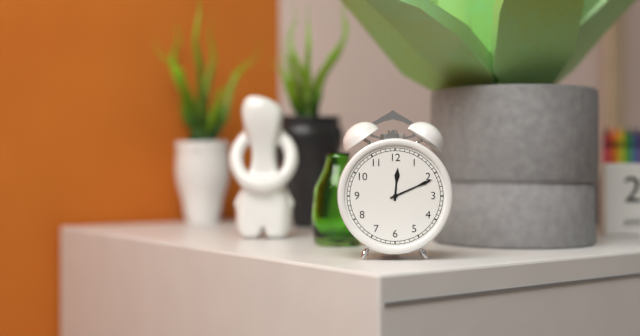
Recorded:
{"hour": 12, "minute": 11}
